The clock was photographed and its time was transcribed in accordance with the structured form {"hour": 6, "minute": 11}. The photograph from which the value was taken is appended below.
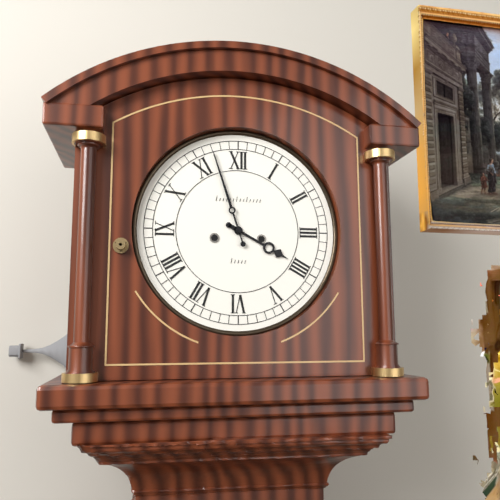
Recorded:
{"hour": 3, "minute": 57}
